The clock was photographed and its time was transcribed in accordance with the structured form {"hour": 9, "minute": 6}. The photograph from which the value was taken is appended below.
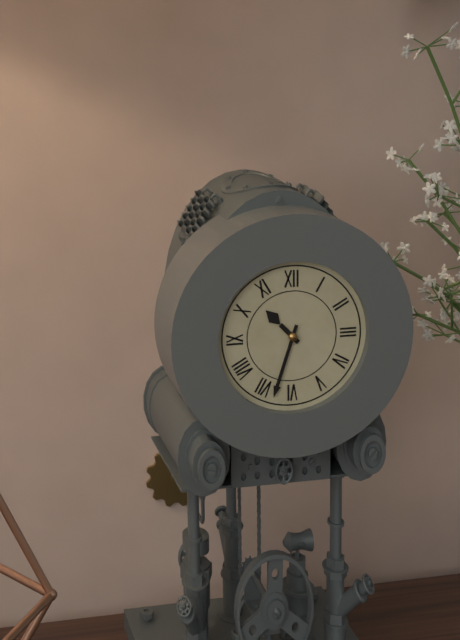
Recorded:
{"hour": 10, "minute": 33}
